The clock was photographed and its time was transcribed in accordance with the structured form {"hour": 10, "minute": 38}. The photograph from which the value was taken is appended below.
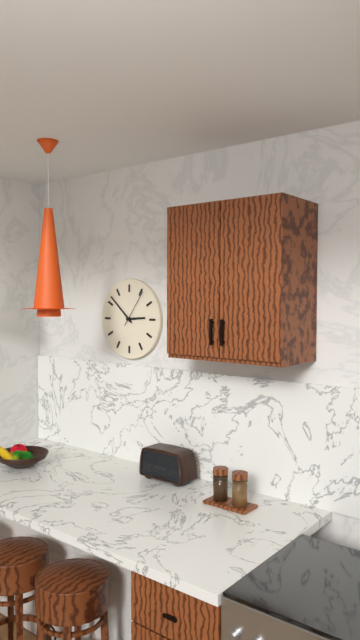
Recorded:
{"hour": 2, "minute": 52}
